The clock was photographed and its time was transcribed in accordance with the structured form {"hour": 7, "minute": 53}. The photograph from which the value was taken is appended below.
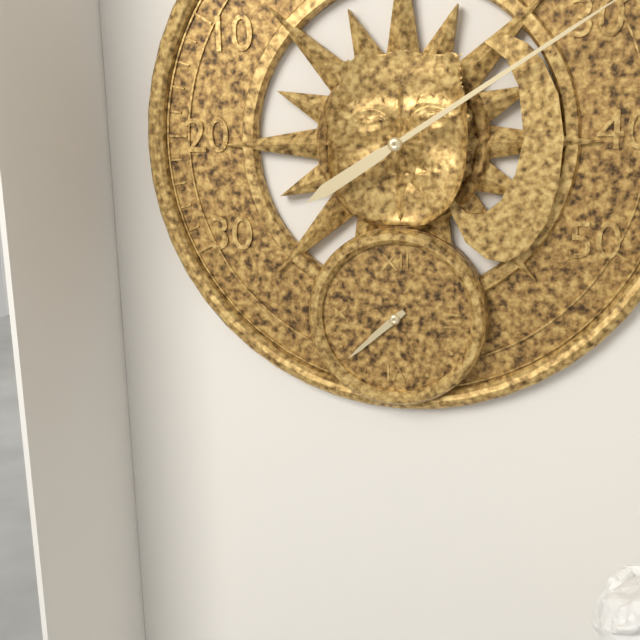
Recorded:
{"hour": 7, "minute": 38}
